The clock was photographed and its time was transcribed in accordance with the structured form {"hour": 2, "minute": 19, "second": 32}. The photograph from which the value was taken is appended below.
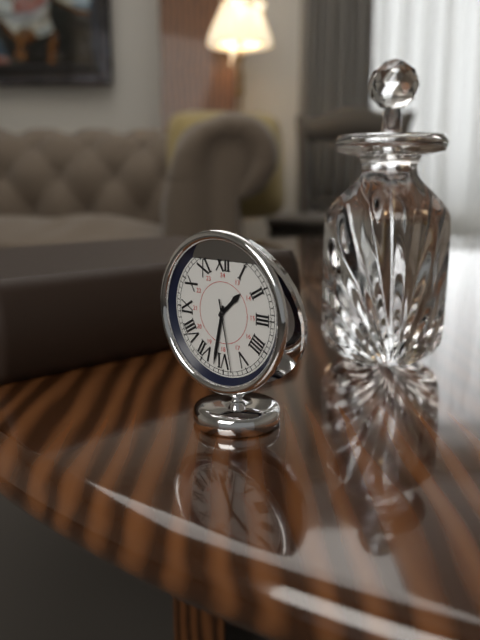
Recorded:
{"hour": 1, "minute": 32, "second": 28}
